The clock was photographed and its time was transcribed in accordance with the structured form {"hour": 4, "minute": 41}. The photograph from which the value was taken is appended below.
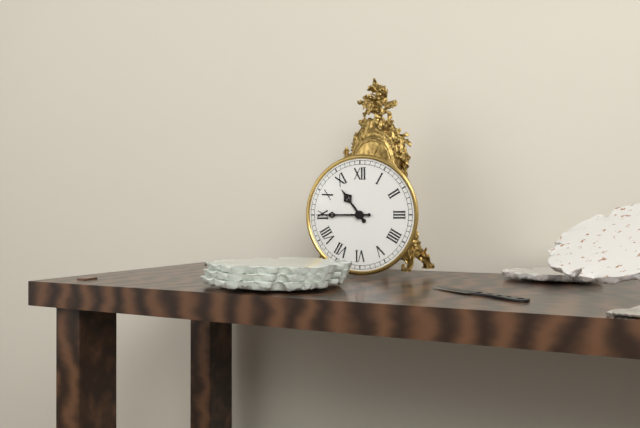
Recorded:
{"hour": 10, "minute": 45}
